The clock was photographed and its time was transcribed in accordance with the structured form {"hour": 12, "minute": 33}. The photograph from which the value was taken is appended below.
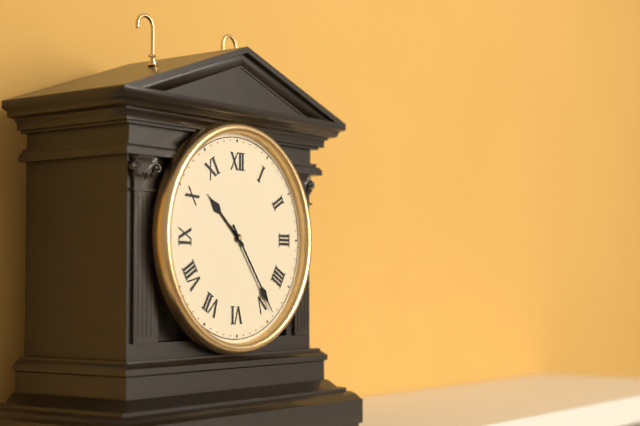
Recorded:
{"hour": 10, "minute": 24}
